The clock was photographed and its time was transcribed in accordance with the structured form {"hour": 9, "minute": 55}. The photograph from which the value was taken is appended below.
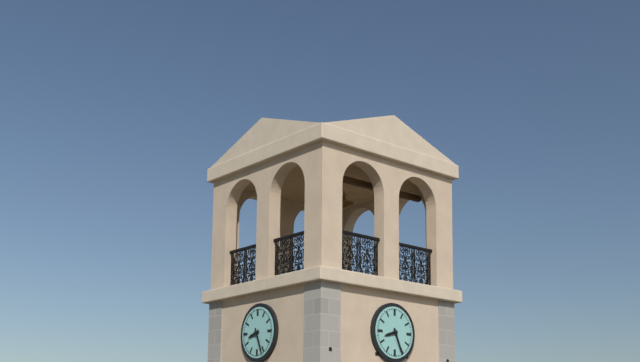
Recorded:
{"hour": 8, "minute": 26}
